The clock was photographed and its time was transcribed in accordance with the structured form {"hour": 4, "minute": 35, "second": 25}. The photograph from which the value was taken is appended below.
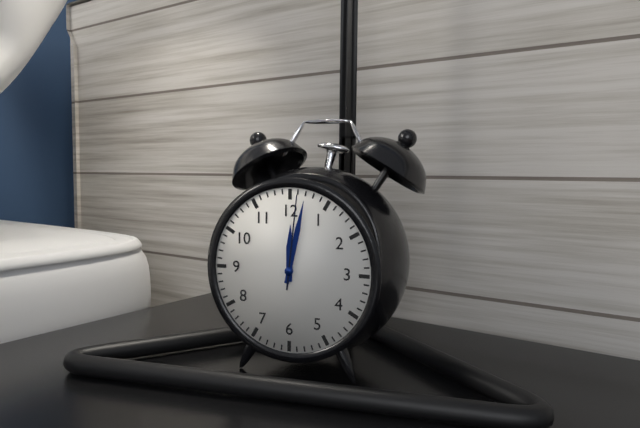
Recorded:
{"hour": 12, "minute": 2, "second": 1}
